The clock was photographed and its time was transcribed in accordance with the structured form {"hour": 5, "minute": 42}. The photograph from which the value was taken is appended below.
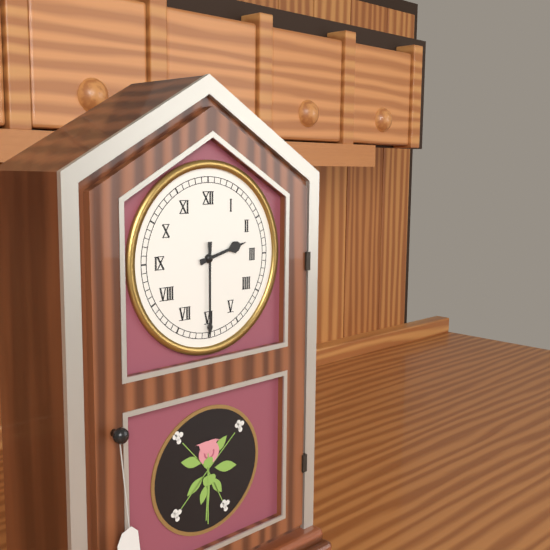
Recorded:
{"hour": 2, "minute": 30}
